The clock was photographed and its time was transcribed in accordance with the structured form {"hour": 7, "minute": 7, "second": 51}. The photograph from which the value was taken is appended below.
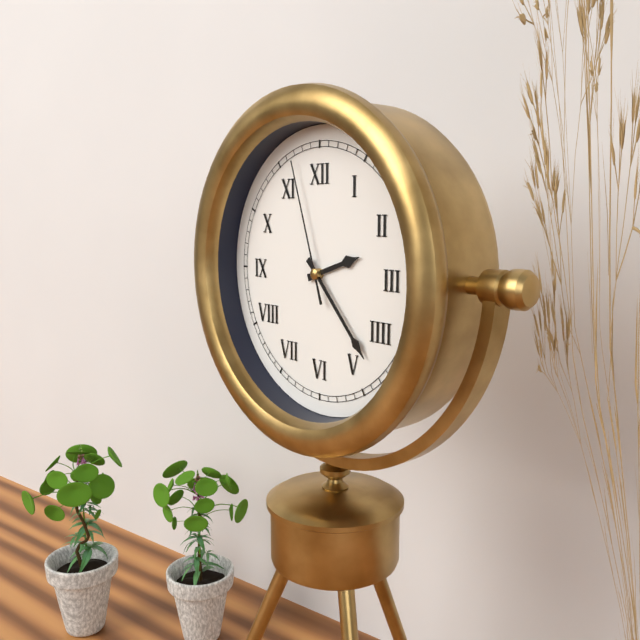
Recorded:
{"hour": 2, "minute": 23, "second": 57}
